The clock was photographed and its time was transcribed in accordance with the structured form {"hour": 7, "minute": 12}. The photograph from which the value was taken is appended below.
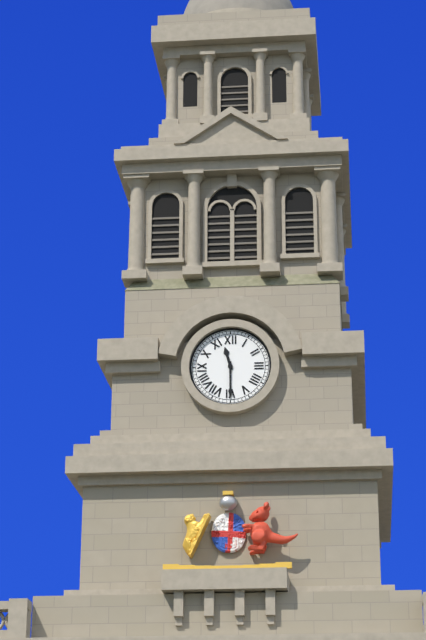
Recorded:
{"hour": 11, "minute": 30}
